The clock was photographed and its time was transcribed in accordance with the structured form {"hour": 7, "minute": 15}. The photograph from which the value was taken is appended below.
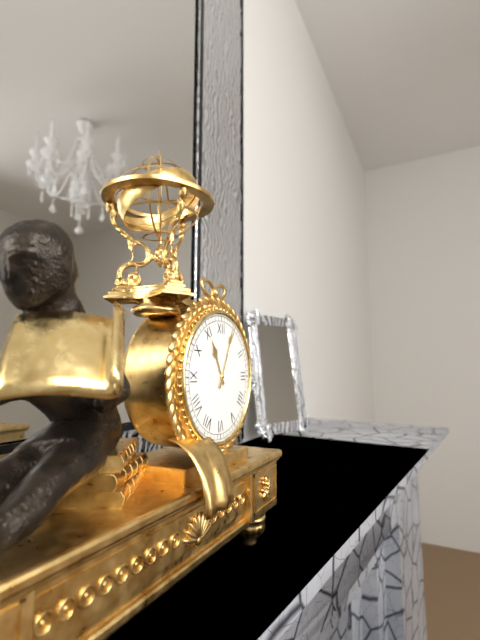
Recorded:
{"hour": 11, "minute": 4}
